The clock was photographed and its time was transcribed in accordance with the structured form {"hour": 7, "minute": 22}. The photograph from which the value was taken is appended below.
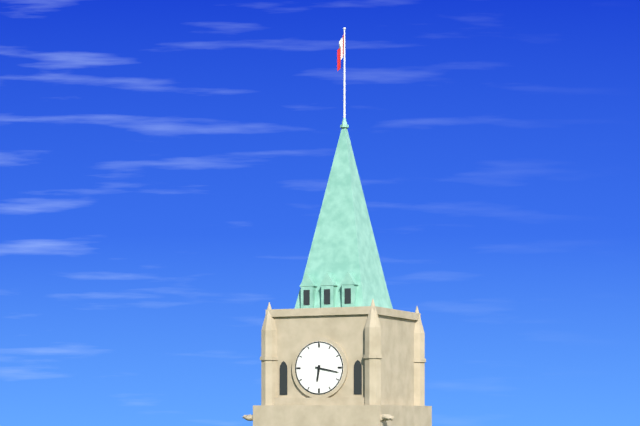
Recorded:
{"hour": 6, "minute": 17}
